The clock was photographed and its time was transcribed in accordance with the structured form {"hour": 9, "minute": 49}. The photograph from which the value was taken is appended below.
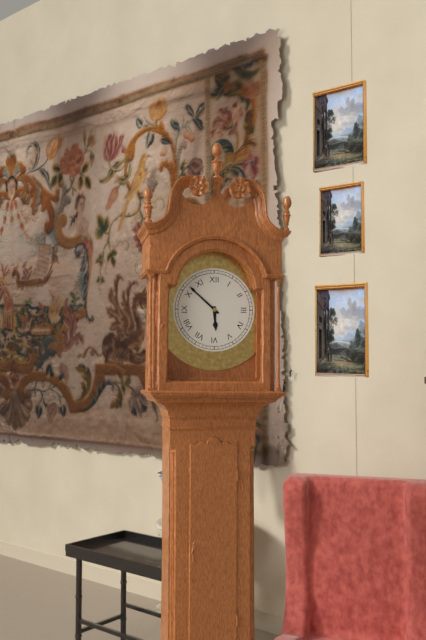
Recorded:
{"hour": 5, "minute": 52}
